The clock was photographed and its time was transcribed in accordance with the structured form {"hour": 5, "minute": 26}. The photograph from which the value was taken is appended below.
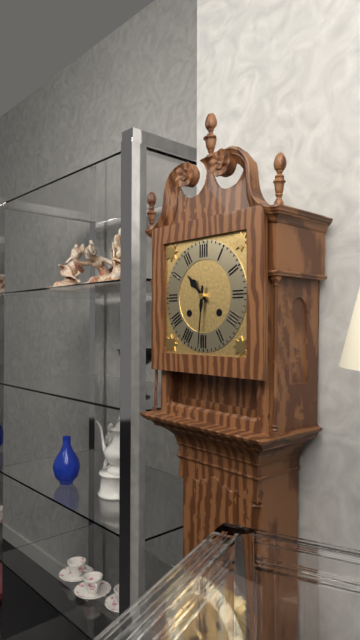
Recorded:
{"hour": 10, "minute": 31}
